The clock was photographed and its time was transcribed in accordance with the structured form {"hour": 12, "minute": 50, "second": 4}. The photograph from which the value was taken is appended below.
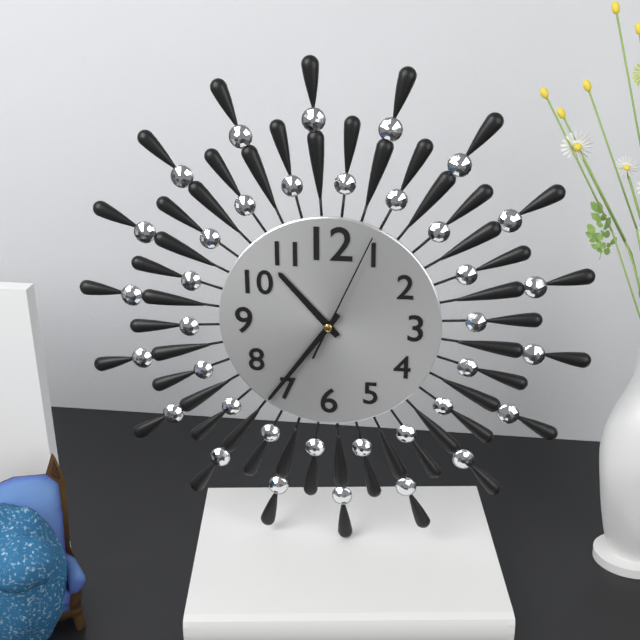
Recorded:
{"hour": 10, "minute": 36, "second": 4}
